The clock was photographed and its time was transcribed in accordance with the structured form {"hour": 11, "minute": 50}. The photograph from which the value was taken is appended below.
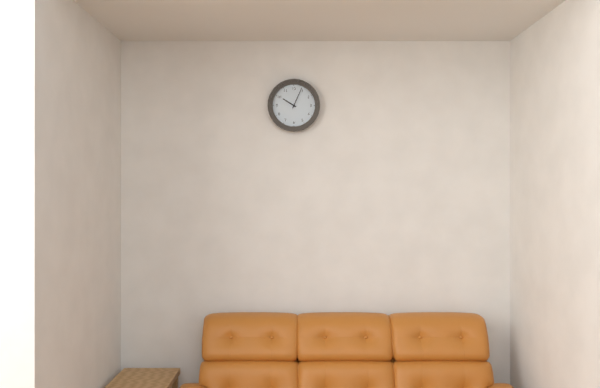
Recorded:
{"hour": 10, "minute": 4}
